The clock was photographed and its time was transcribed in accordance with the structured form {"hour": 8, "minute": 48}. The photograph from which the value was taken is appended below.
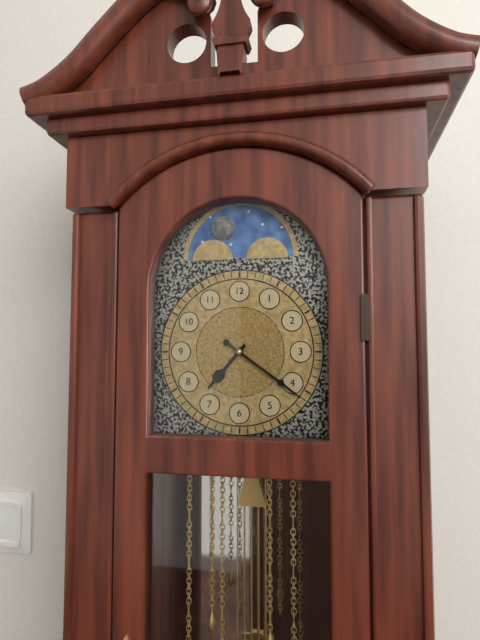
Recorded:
{"hour": 7, "minute": 21}
